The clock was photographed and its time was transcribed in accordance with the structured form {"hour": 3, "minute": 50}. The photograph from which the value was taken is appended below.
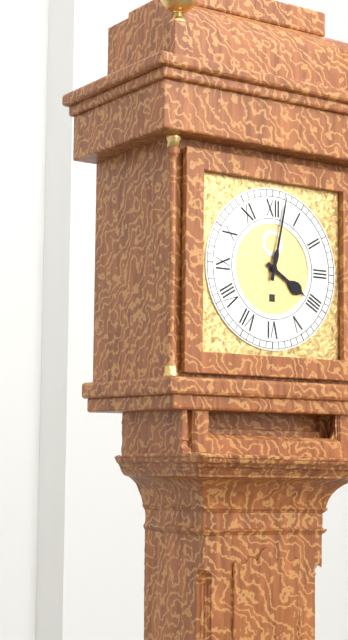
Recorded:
{"hour": 4, "minute": 2}
